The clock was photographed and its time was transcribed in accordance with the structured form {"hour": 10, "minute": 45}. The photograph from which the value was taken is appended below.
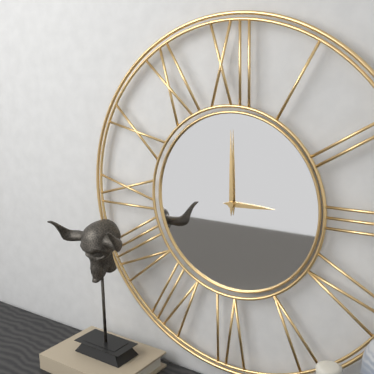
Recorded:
{"hour": 3, "minute": 0}
